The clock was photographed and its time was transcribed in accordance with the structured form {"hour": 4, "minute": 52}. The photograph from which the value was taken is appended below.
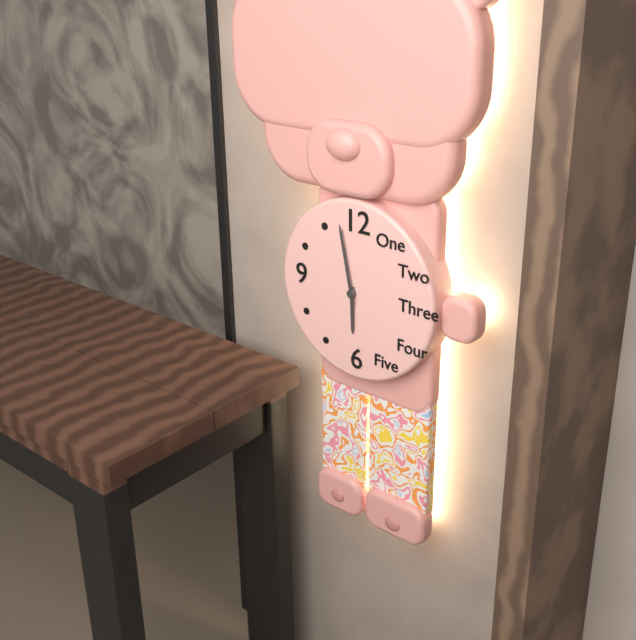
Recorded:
{"hour": 5, "minute": 58}
